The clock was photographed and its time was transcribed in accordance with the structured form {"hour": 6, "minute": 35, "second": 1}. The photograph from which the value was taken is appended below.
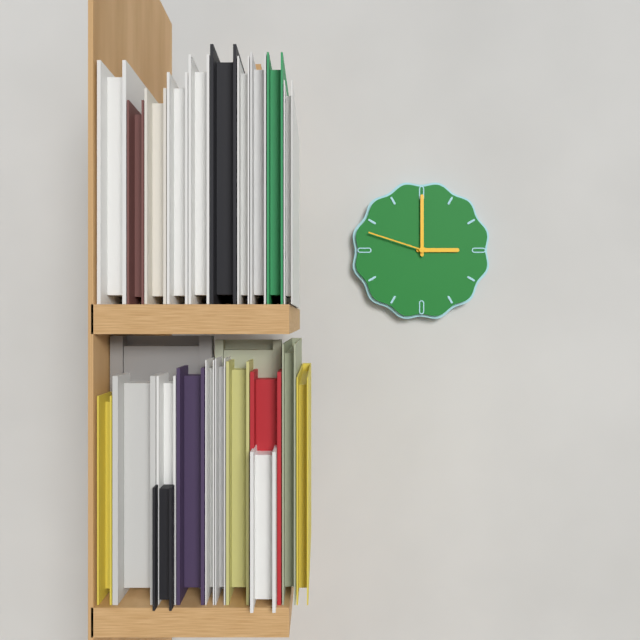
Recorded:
{"hour": 3, "minute": 0, "second": 48}
